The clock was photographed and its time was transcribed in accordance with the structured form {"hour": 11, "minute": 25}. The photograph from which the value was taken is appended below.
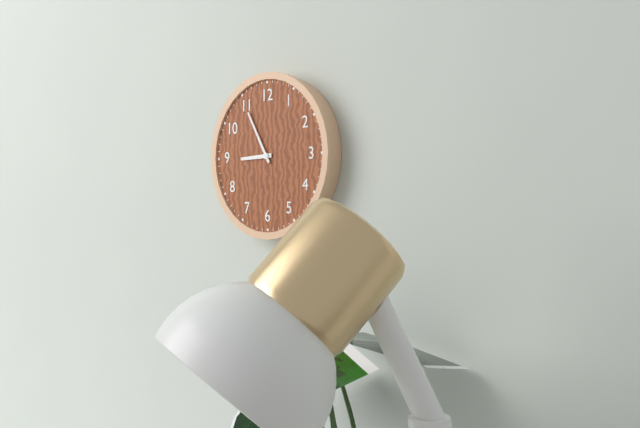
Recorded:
{"hour": 8, "minute": 55}
